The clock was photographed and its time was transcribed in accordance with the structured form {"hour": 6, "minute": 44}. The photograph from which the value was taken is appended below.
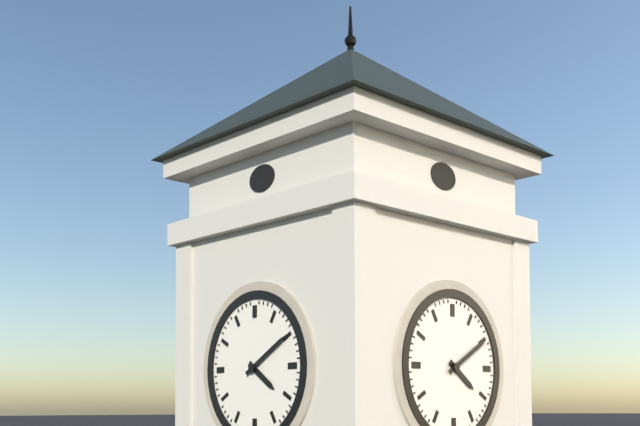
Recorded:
{"hour": 4, "minute": 10}
